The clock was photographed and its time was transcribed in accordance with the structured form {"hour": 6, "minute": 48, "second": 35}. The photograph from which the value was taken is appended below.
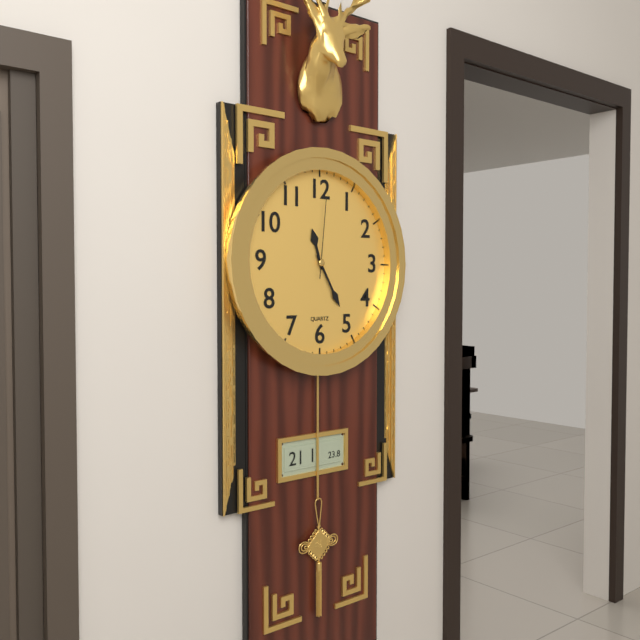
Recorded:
{"hour": 11, "minute": 25, "second": 1}
